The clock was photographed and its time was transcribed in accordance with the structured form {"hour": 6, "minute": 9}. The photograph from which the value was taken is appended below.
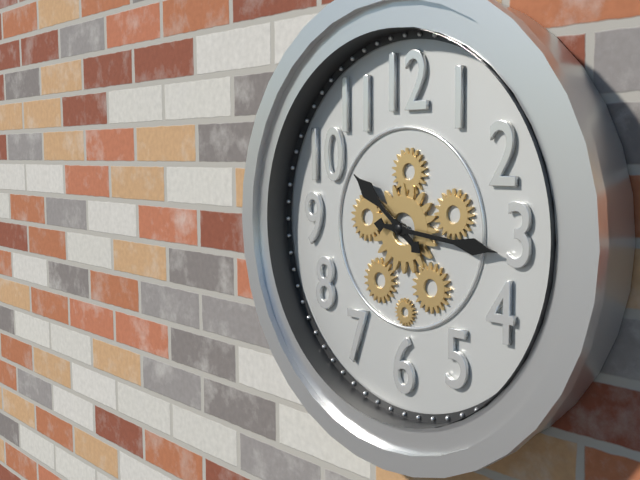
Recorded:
{"hour": 10, "minute": 16}
